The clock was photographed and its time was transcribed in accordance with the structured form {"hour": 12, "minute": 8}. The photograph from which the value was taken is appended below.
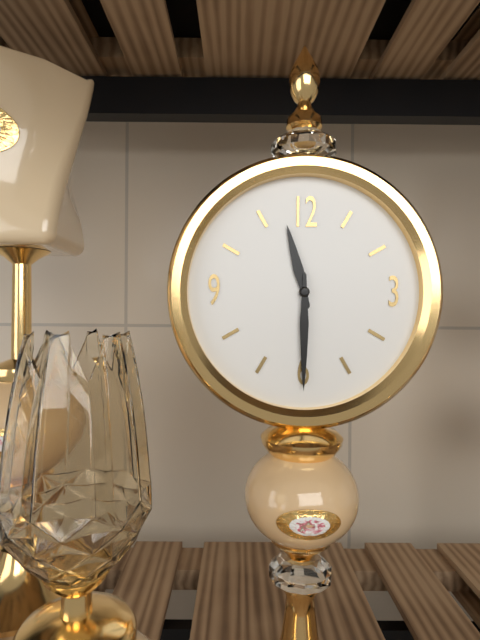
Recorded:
{"hour": 11, "minute": 30}
